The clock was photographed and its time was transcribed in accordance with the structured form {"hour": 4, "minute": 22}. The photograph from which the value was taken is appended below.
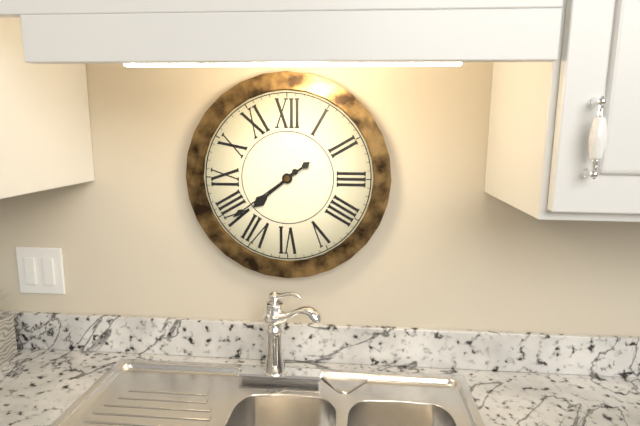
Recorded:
{"hour": 7, "minute": 39}
